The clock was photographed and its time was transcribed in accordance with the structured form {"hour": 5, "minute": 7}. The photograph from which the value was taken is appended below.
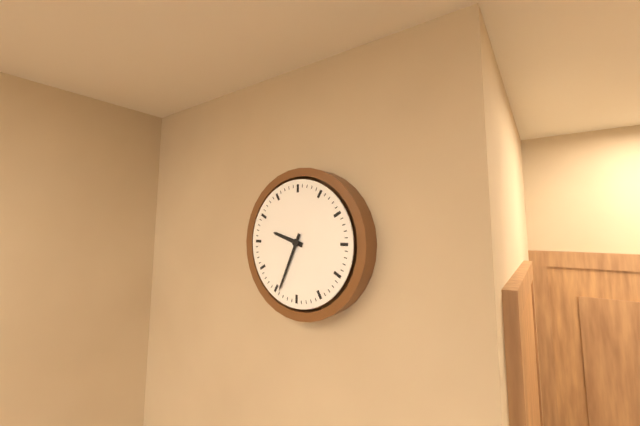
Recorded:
{"hour": 9, "minute": 34}
